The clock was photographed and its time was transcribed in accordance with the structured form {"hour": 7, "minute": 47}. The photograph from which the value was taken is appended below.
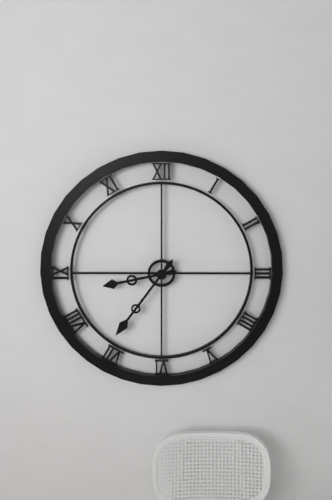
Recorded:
{"hour": 8, "minute": 36}
